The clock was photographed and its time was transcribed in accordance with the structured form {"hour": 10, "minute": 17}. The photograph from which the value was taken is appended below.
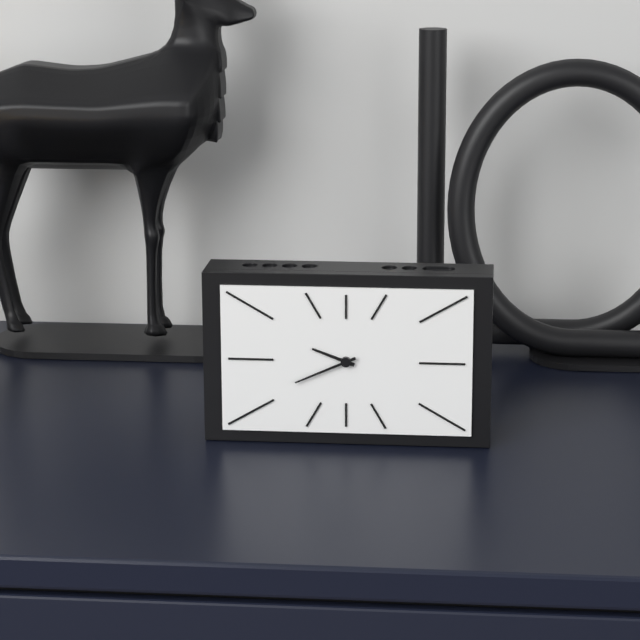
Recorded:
{"hour": 9, "minute": 41}
